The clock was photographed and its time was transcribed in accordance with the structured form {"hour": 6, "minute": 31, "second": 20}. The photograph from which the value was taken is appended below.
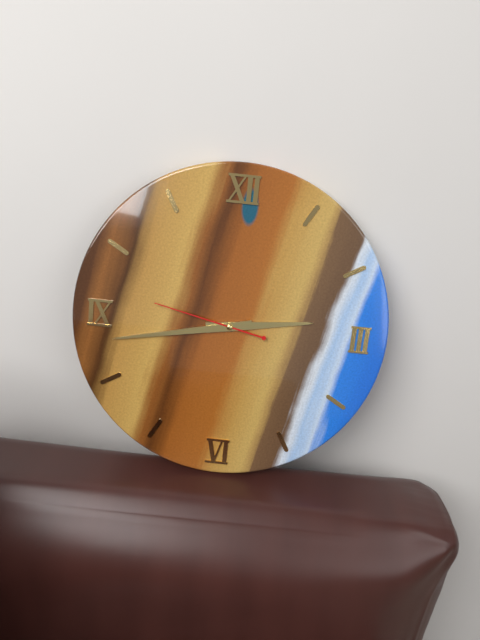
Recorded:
{"hour": 2, "minute": 43, "second": 47}
